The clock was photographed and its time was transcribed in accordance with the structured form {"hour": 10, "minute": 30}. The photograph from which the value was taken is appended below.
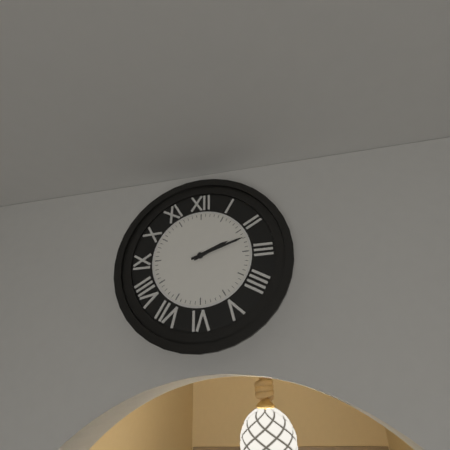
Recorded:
{"hour": 2, "minute": 12}
